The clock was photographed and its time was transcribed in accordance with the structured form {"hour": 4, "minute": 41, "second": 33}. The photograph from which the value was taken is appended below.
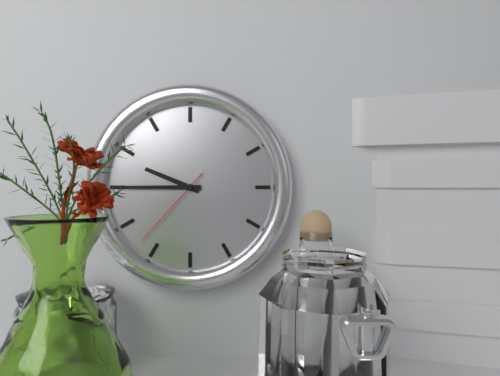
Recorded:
{"hour": 9, "minute": 45, "second": 37}
